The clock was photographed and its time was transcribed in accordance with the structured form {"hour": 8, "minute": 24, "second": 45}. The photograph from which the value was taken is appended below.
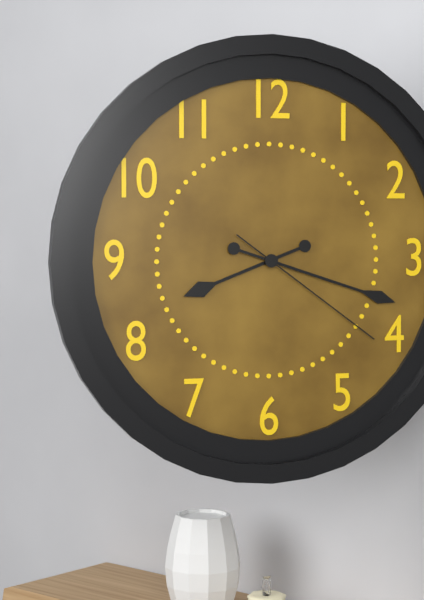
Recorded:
{"hour": 8, "minute": 18, "second": 21}
